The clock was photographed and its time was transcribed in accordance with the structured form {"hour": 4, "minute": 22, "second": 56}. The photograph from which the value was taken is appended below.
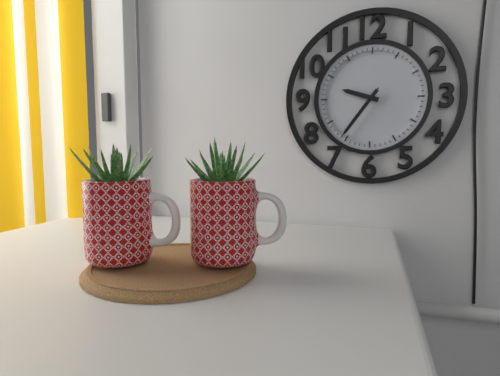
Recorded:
{"hour": 9, "minute": 36, "second": 36}
